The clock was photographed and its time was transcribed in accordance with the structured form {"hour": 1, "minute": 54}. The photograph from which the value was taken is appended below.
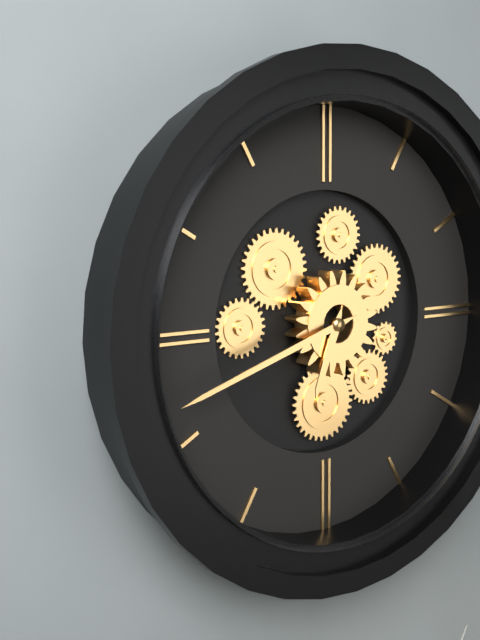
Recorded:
{"hour": 6, "minute": 42}
